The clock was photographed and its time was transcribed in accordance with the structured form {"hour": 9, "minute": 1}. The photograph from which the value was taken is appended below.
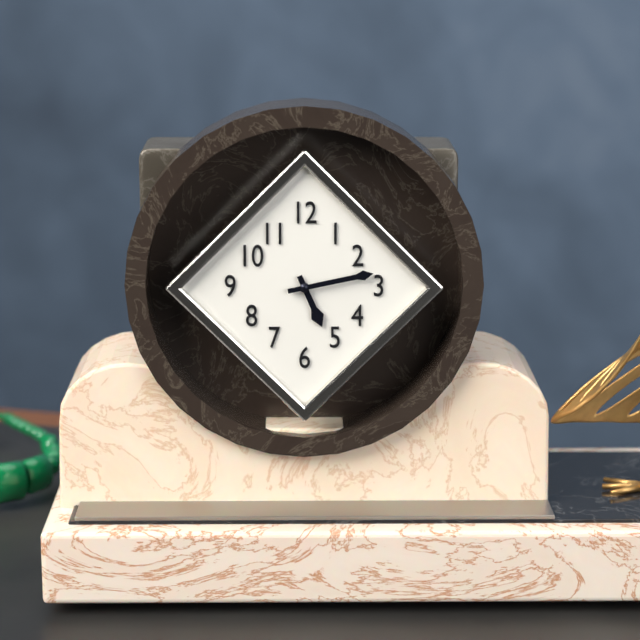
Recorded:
{"hour": 5, "minute": 13}
